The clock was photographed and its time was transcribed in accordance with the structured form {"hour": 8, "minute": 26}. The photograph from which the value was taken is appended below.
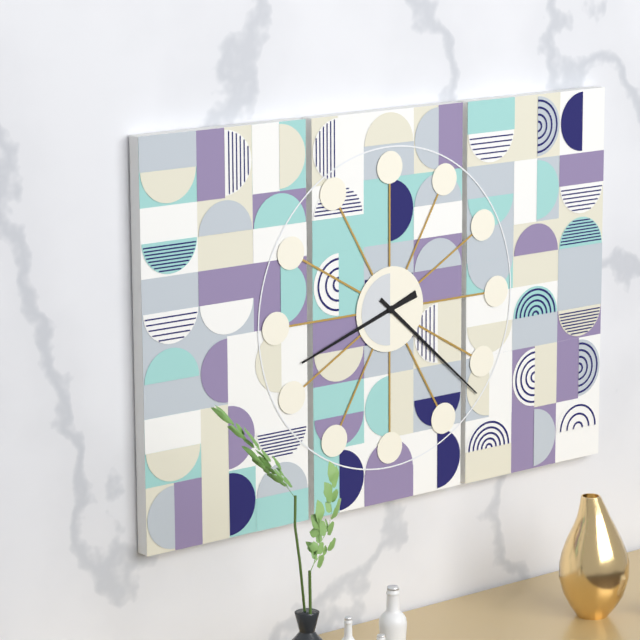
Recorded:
{"hour": 8, "minute": 22}
